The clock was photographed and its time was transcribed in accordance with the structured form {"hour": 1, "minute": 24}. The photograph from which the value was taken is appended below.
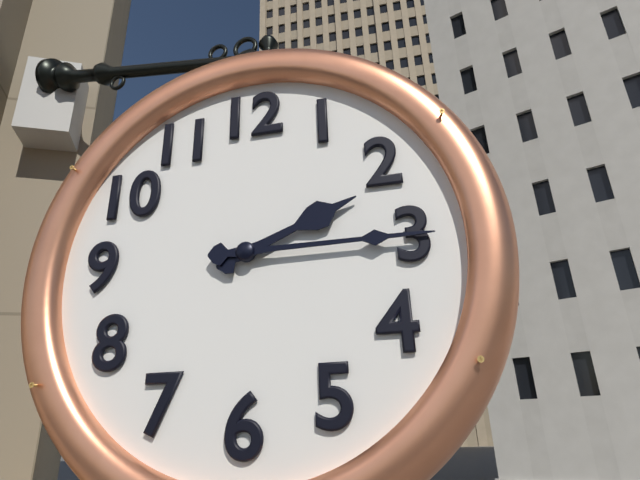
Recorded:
{"hour": 2, "minute": 15}
